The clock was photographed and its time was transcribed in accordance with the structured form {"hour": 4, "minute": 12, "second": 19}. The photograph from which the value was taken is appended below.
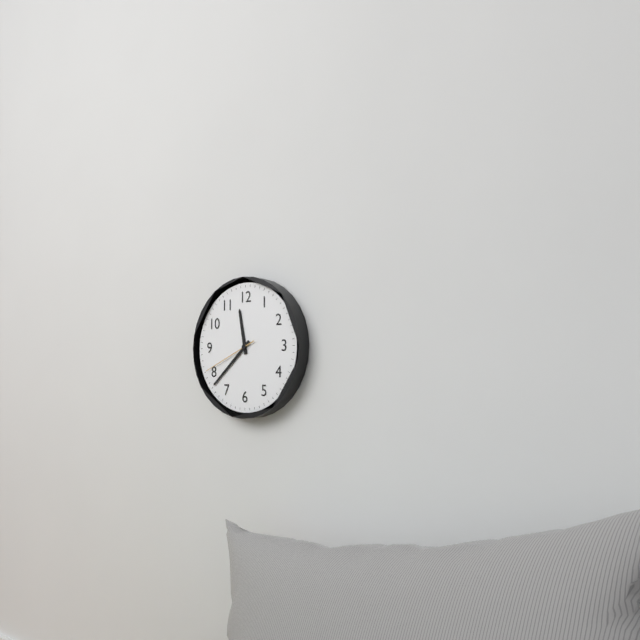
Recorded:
{"hour": 11, "minute": 38, "second": 41}
